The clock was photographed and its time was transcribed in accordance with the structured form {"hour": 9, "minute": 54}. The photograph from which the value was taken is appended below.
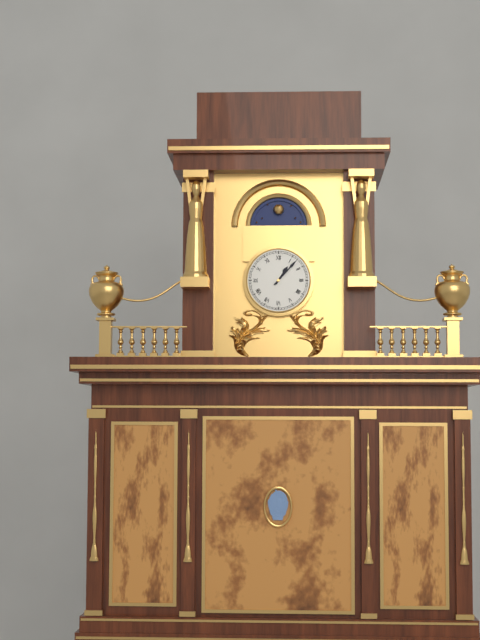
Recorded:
{"hour": 1, "minute": 7}
